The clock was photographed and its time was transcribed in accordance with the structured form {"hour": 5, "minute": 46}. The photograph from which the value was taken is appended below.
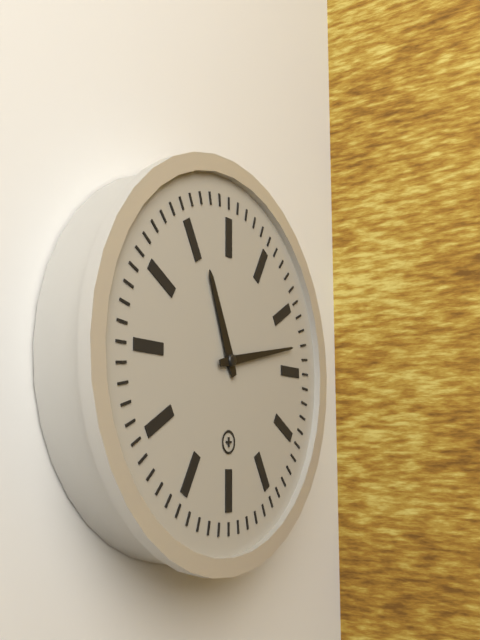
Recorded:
{"hour": 11, "minute": 13}
